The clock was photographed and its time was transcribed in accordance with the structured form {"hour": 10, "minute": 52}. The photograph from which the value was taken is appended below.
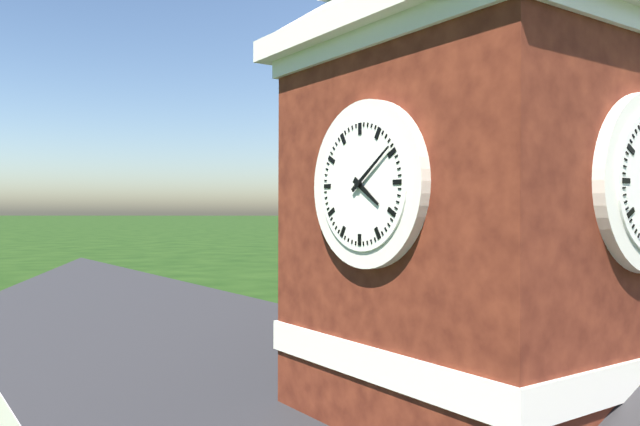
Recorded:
{"hour": 4, "minute": 9}
